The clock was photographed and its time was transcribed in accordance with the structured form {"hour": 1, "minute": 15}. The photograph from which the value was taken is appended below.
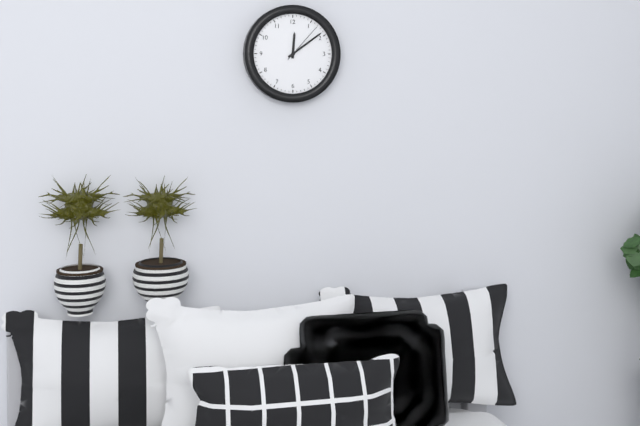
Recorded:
{"hour": 12, "minute": 9}
